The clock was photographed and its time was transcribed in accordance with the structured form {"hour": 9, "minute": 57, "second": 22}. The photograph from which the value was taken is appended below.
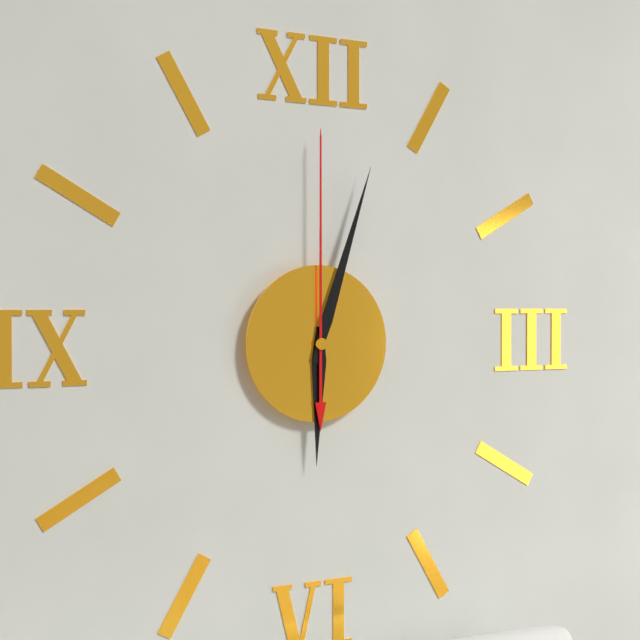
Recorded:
{"hour": 6, "minute": 3, "second": 0}
